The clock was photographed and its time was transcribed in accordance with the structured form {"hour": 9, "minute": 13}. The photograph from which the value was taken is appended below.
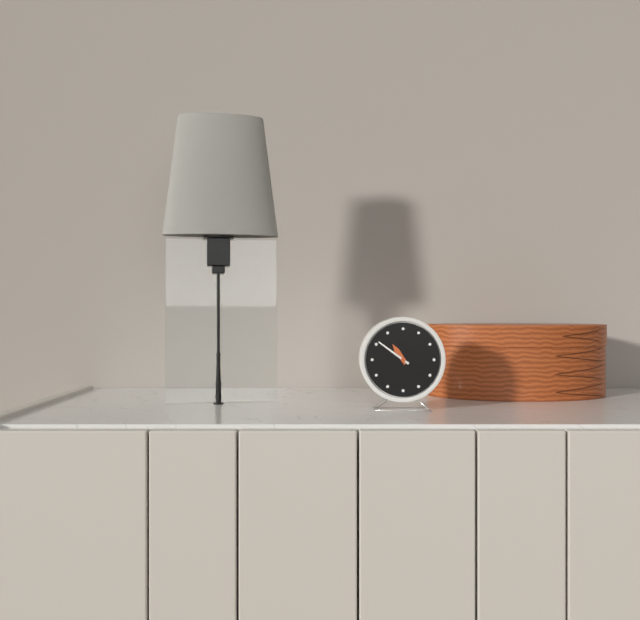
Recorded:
{"hour": 10, "minute": 51}
